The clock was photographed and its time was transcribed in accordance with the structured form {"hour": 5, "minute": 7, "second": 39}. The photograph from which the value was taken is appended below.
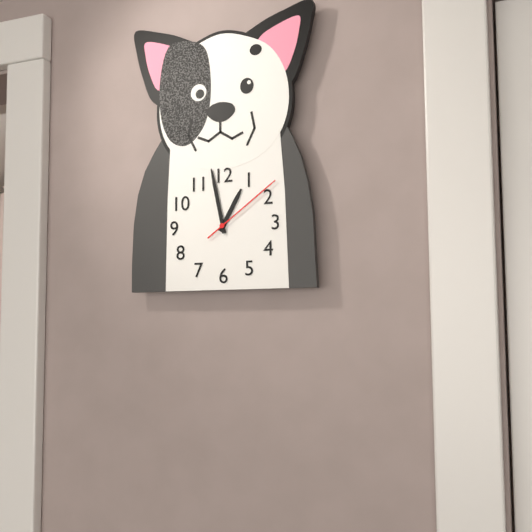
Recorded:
{"hour": 12, "minute": 58, "second": 9}
